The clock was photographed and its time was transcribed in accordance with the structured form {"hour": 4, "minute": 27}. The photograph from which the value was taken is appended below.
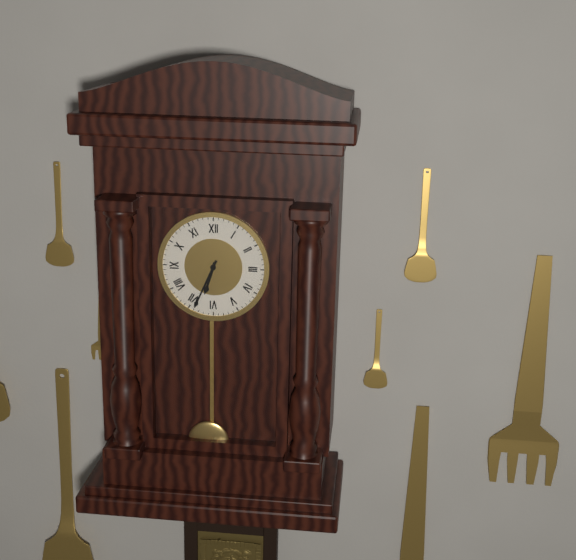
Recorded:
{"hour": 6, "minute": 34}
